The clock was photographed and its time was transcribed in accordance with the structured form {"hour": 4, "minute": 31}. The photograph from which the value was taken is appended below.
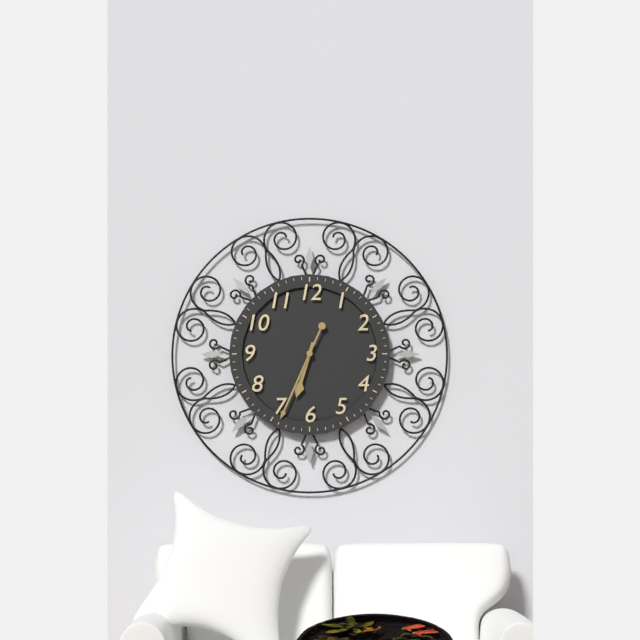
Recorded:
{"hour": 6, "minute": 34}
